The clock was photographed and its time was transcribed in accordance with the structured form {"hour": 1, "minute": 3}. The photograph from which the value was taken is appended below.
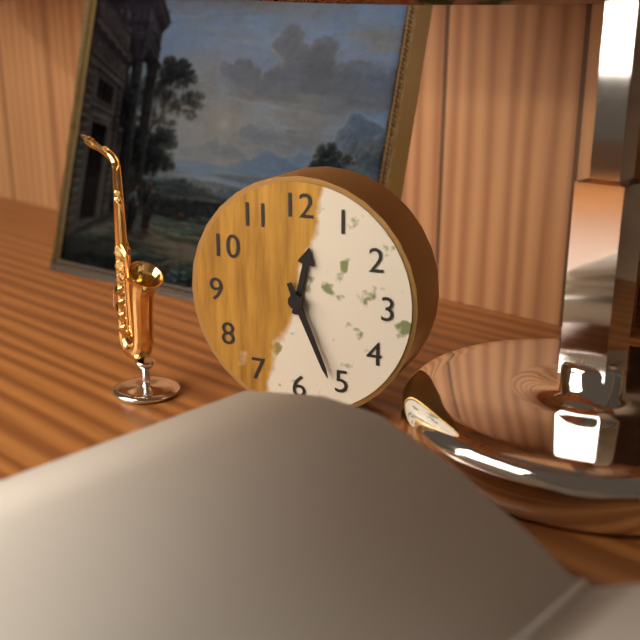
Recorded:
{"hour": 12, "minute": 26}
